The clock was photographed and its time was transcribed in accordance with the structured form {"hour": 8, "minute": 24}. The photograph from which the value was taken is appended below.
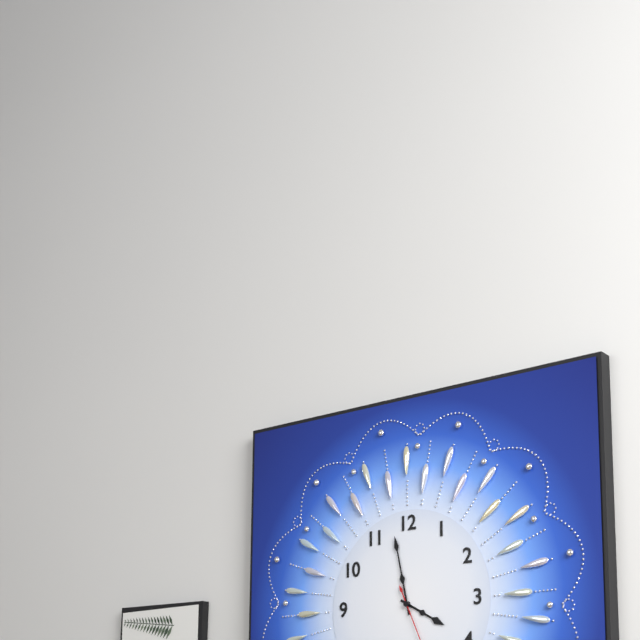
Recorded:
{"hour": 3, "minute": 58}
